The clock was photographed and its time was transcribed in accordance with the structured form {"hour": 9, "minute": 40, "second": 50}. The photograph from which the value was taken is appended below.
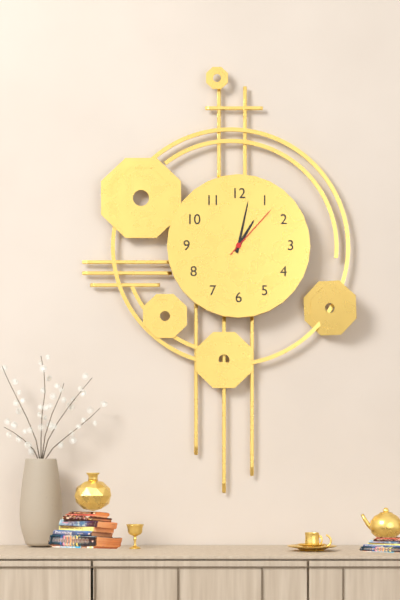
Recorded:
{"hour": 1, "minute": 2, "second": 7}
